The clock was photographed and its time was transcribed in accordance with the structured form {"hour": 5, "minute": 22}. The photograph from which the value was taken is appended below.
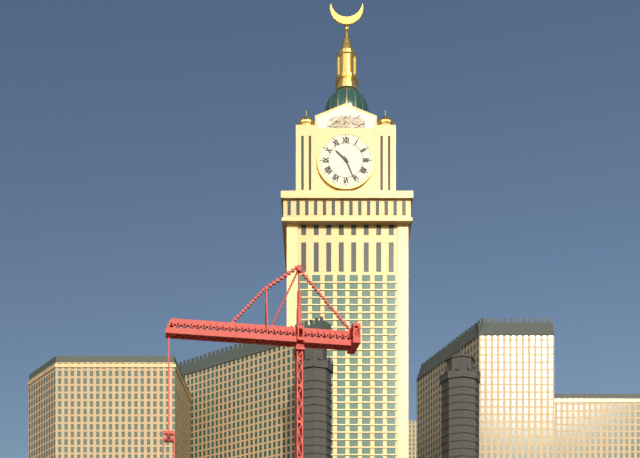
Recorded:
{"hour": 10, "minute": 26}
